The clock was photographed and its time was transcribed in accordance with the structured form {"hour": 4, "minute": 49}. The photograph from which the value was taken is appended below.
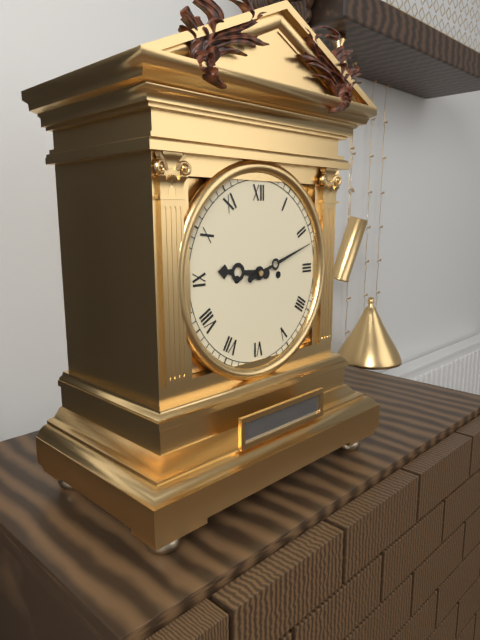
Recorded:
{"hour": 9, "minute": 12}
